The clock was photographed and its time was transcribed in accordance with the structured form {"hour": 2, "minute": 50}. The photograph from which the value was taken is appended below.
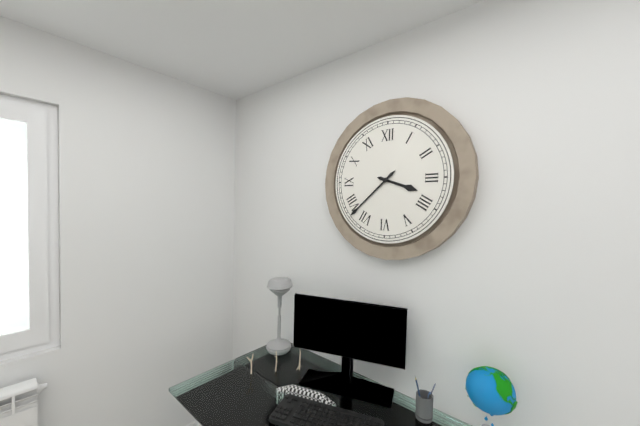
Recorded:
{"hour": 3, "minute": 38}
